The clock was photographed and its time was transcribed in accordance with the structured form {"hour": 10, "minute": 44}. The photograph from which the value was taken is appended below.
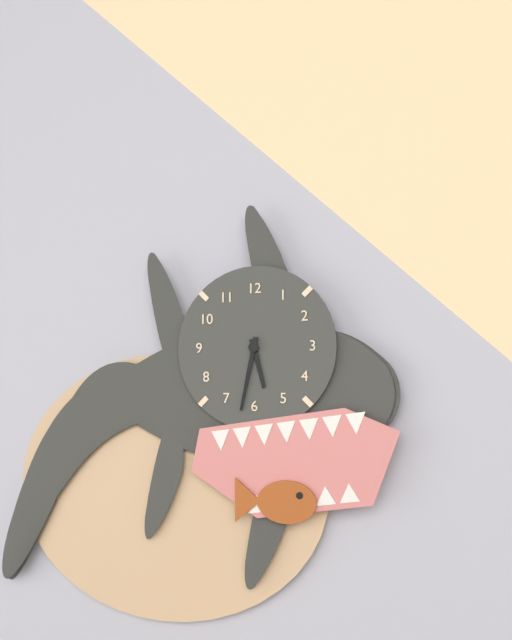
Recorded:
{"hour": 5, "minute": 32}
